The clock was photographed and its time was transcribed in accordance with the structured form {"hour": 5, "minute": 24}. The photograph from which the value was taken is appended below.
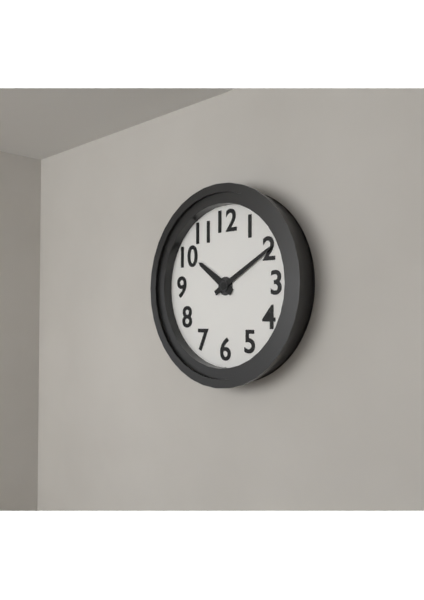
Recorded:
{"hour": 10, "minute": 10}
